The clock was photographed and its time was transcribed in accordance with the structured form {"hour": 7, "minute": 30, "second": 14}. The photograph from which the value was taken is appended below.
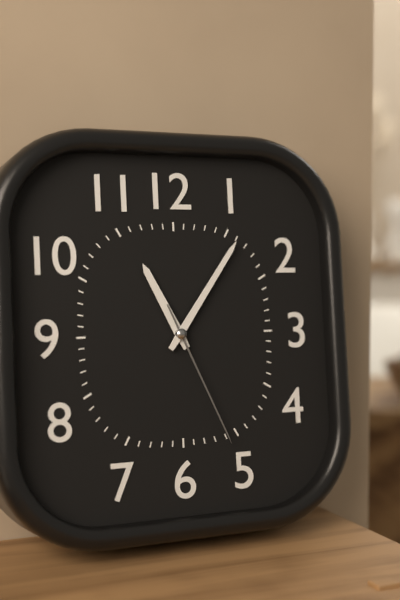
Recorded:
{"hour": 11, "minute": 6, "second": 26}
